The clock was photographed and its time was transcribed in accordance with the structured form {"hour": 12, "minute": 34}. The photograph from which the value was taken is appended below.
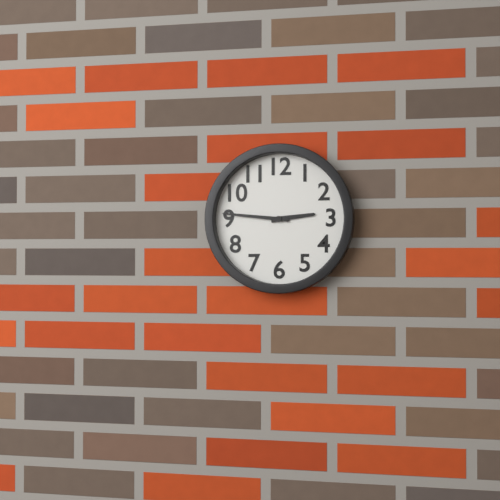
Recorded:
{"hour": 2, "minute": 46}
